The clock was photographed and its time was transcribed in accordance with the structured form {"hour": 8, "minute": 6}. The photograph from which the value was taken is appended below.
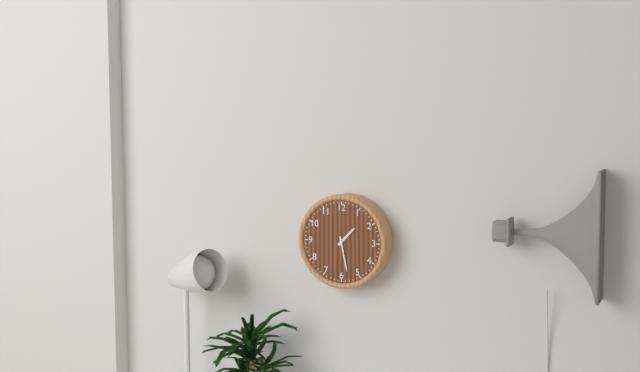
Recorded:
{"hour": 1, "minute": 28}
